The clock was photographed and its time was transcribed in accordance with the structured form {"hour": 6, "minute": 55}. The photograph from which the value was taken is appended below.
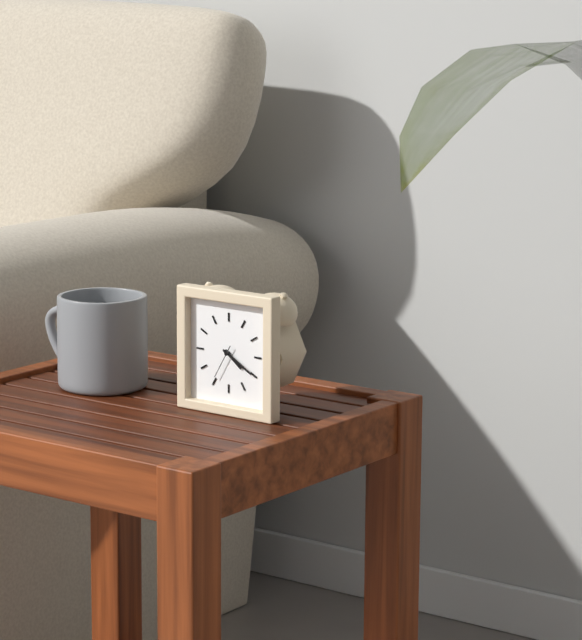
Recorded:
{"hour": 4, "minute": 20}
